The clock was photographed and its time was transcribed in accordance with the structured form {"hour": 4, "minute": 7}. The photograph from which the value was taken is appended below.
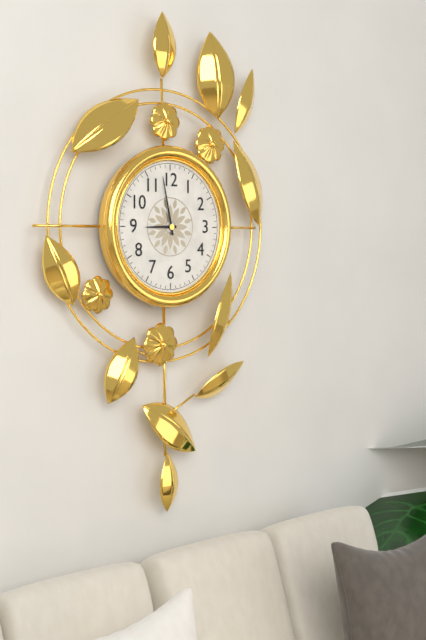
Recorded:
{"hour": 8, "minute": 58}
